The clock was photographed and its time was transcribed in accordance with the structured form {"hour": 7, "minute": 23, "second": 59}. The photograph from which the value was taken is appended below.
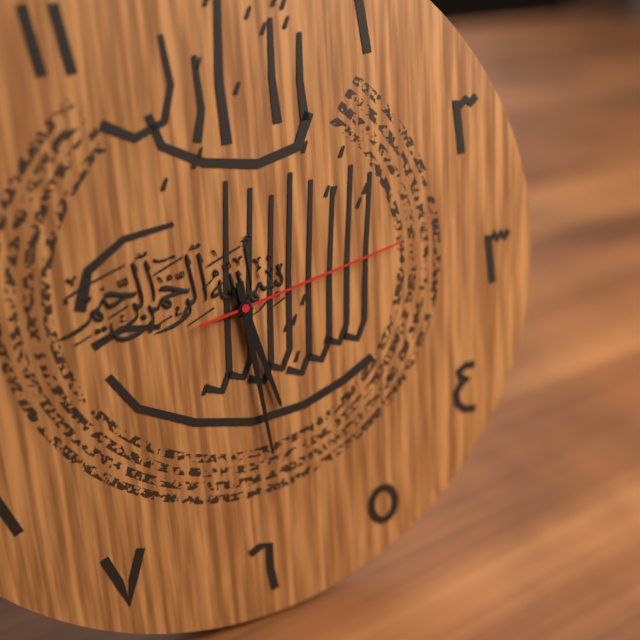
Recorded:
{"hour": 5, "minute": 29, "second": 13}
